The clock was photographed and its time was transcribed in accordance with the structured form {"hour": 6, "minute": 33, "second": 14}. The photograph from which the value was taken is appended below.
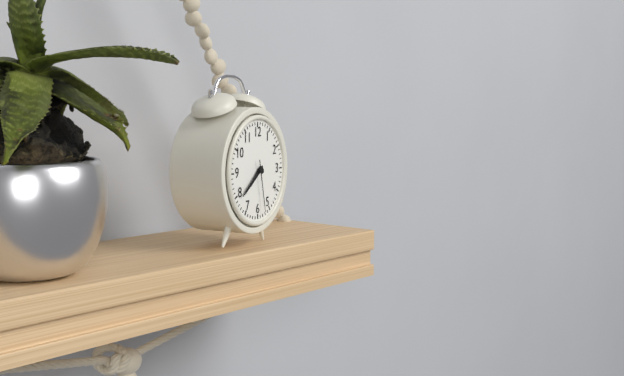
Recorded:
{"hour": 7, "minute": 39, "second": 28}
